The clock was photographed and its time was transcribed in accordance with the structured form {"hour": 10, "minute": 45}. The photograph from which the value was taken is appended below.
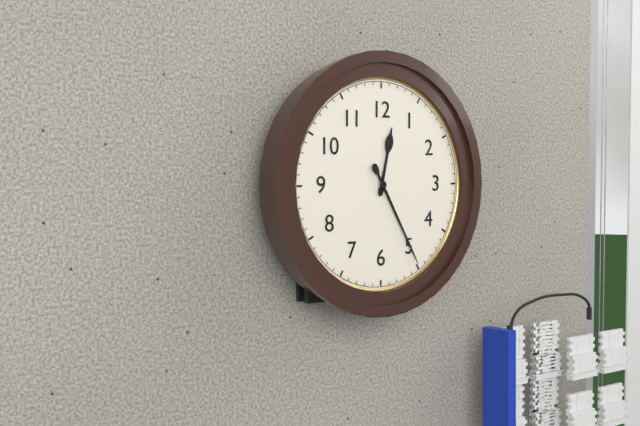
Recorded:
{"hour": 12, "minute": 25}
